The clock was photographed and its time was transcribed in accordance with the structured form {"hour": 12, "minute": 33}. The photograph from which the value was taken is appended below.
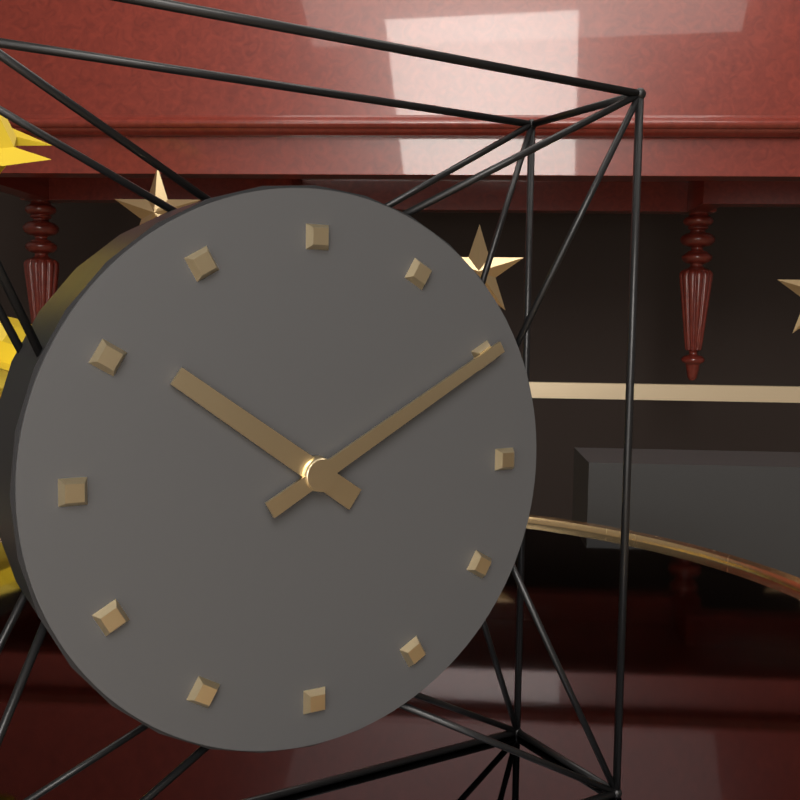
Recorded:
{"hour": 10, "minute": 10}
